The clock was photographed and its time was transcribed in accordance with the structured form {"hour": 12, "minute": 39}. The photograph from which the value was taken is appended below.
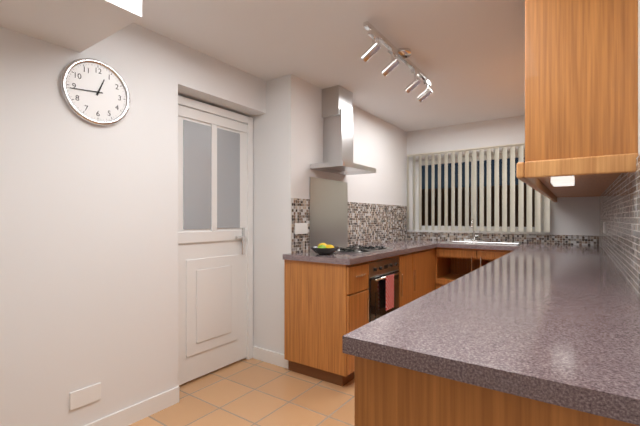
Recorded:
{"hour": 12, "minute": 44}
